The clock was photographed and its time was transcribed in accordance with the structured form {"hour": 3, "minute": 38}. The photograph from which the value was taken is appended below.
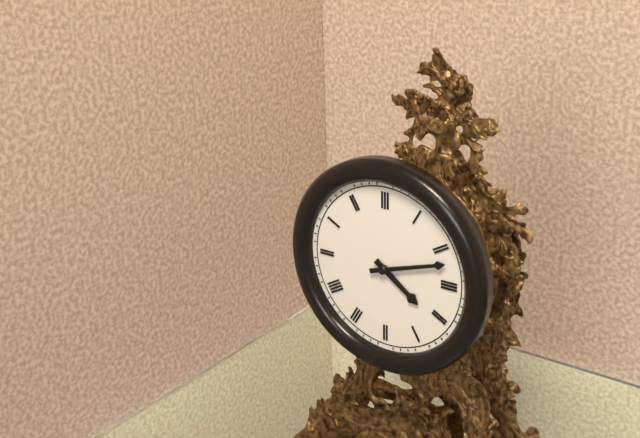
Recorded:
{"hour": 4, "minute": 12}
